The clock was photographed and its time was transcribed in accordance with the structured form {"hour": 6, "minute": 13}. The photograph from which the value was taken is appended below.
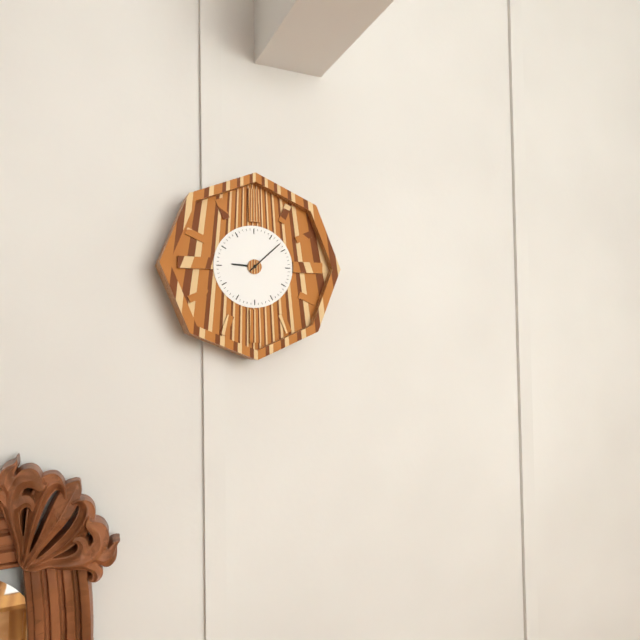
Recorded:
{"hour": 9, "minute": 8}
